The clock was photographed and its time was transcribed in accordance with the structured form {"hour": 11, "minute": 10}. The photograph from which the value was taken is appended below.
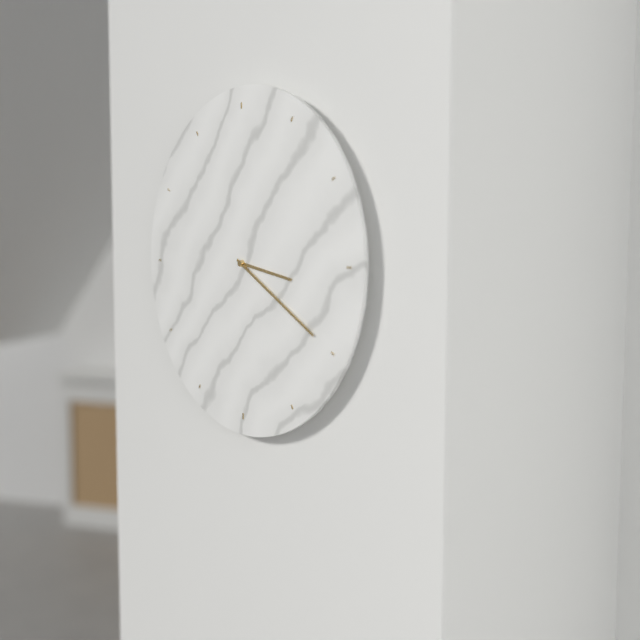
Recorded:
{"hour": 3, "minute": 20}
